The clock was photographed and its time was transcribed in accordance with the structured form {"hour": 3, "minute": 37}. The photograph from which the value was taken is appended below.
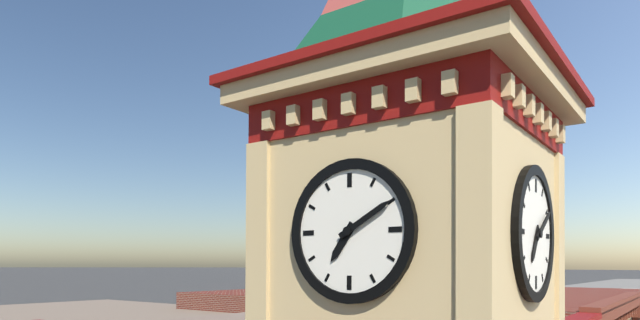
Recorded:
{"hour": 7, "minute": 10}
